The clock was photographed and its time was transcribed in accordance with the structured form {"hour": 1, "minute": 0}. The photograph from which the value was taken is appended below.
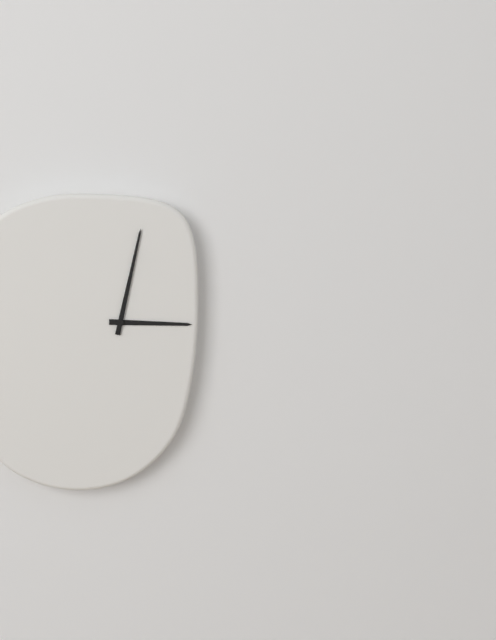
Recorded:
{"hour": 3, "minute": 2}
